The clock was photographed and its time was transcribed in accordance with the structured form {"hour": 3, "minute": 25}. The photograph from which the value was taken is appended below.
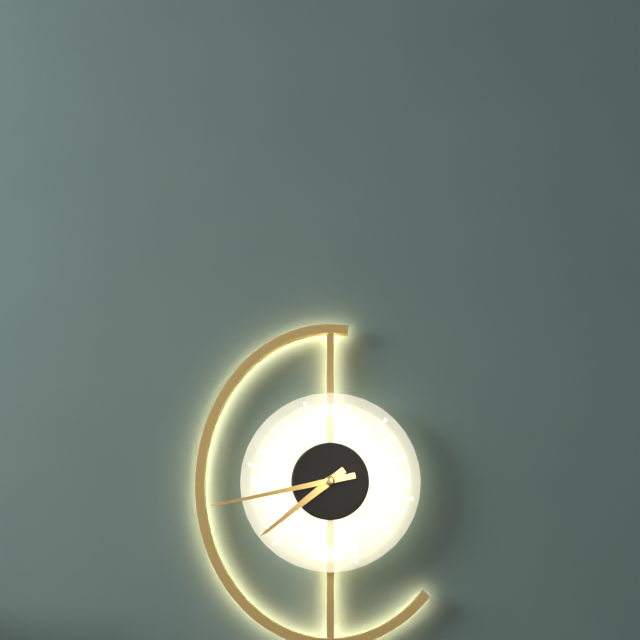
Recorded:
{"hour": 7, "minute": 43}
